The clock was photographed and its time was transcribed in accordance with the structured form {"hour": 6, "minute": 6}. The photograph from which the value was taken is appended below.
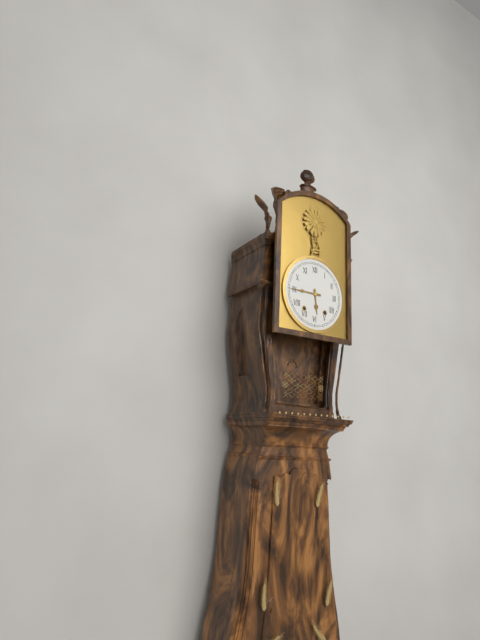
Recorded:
{"hour": 5, "minute": 45}
